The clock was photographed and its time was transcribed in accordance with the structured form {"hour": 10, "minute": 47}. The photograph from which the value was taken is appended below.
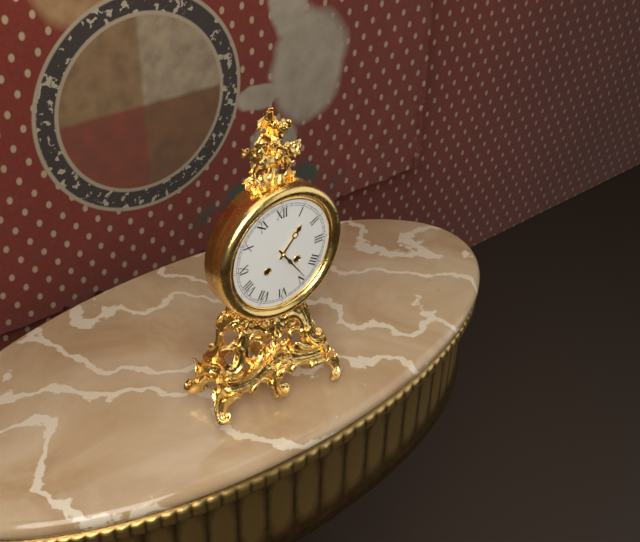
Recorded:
{"hour": 1, "minute": 24}
